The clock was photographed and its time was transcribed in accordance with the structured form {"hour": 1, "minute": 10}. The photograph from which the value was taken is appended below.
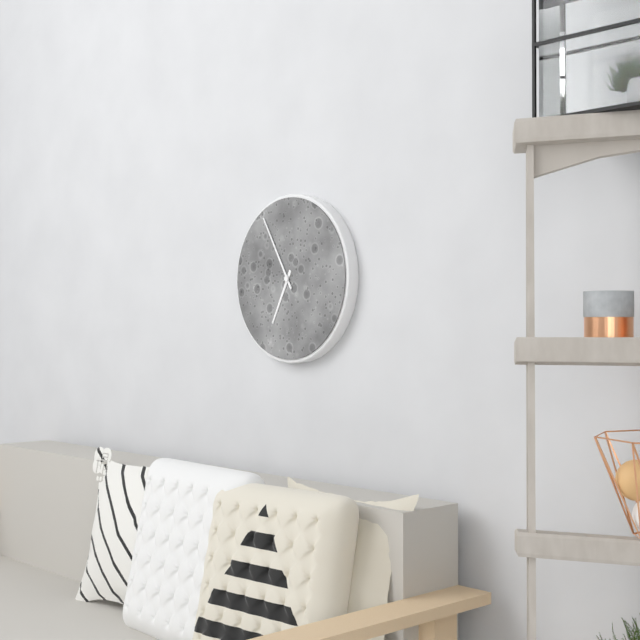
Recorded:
{"hour": 6, "minute": 55}
